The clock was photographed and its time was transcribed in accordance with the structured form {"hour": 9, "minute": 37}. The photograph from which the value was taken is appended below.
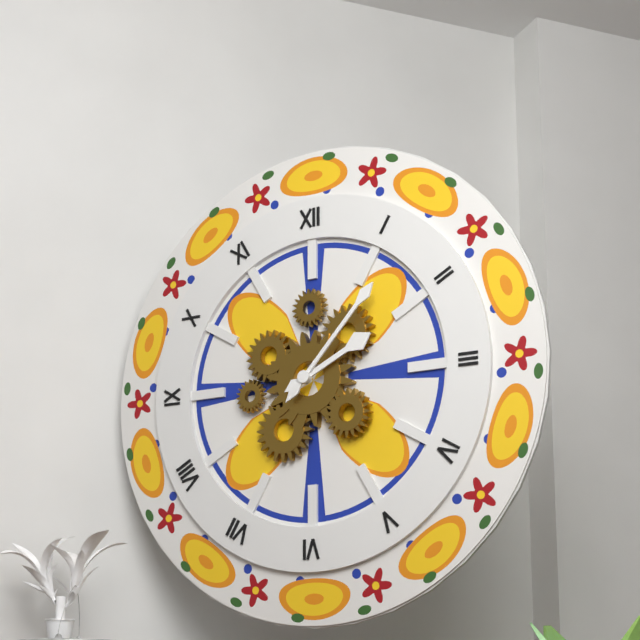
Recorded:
{"hour": 2, "minute": 7}
